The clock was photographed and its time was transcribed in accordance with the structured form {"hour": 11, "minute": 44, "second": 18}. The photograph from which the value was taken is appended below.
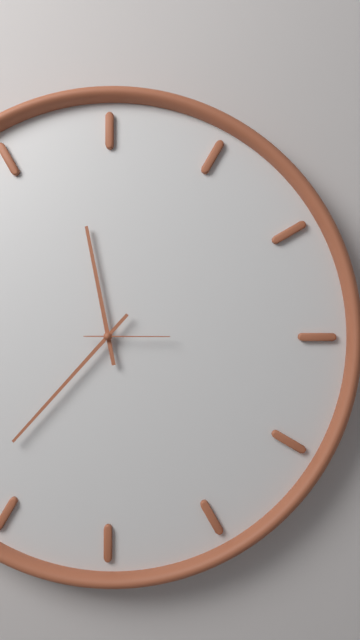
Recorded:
{"hour": 11, "minute": 37, "second": 15}
